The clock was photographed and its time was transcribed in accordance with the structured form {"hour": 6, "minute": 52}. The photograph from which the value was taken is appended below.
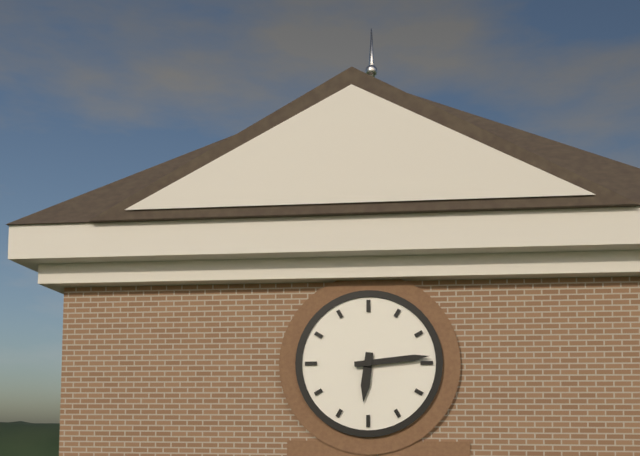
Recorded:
{"hour": 6, "minute": 14}
